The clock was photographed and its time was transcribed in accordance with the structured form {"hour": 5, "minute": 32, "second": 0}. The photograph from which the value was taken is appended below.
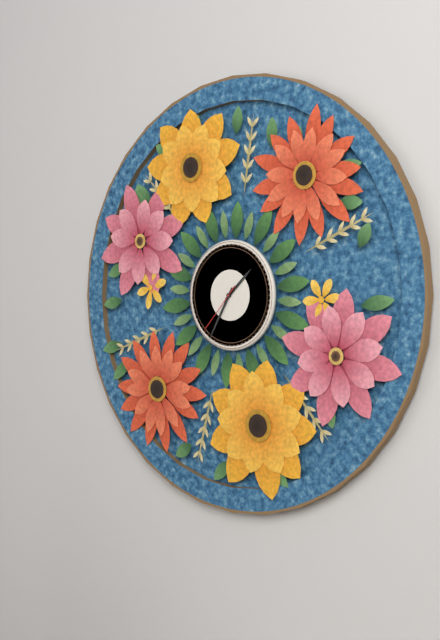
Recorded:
{"hour": 1, "minute": 35, "second": 37}
